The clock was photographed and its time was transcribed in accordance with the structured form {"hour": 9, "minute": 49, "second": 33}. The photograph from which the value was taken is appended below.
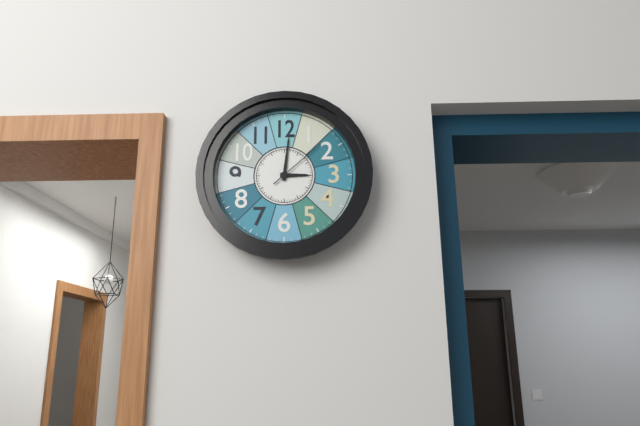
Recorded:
{"hour": 3, "minute": 1, "second": 8}
